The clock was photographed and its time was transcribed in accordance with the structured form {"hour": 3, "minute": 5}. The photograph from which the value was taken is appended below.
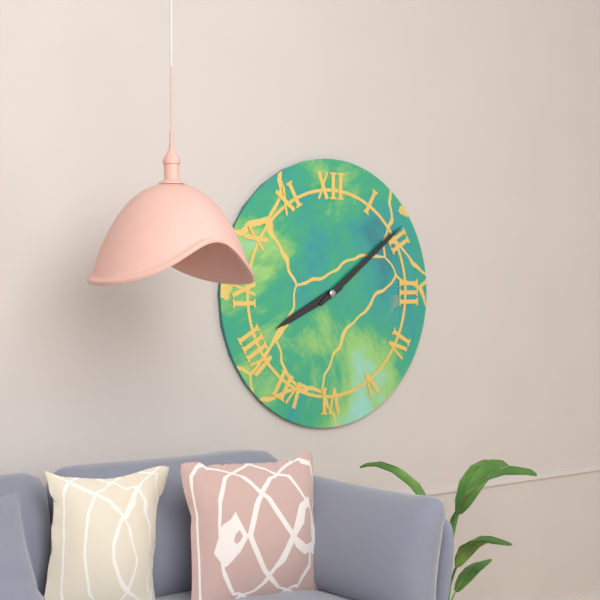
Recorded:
{"hour": 8, "minute": 9}
